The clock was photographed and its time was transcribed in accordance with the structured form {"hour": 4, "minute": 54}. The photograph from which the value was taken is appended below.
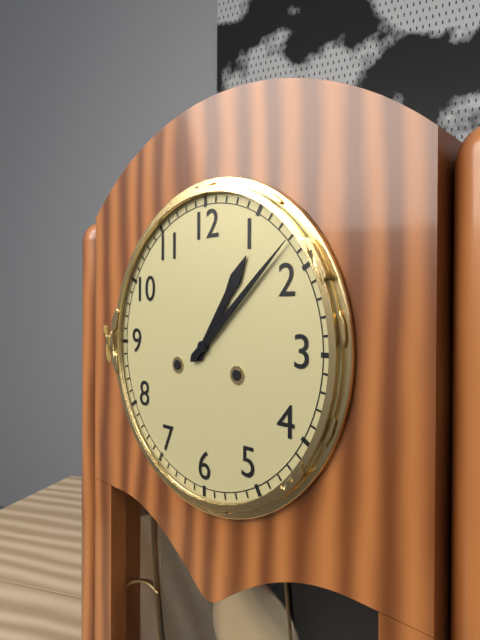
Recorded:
{"hour": 1, "minute": 8}
